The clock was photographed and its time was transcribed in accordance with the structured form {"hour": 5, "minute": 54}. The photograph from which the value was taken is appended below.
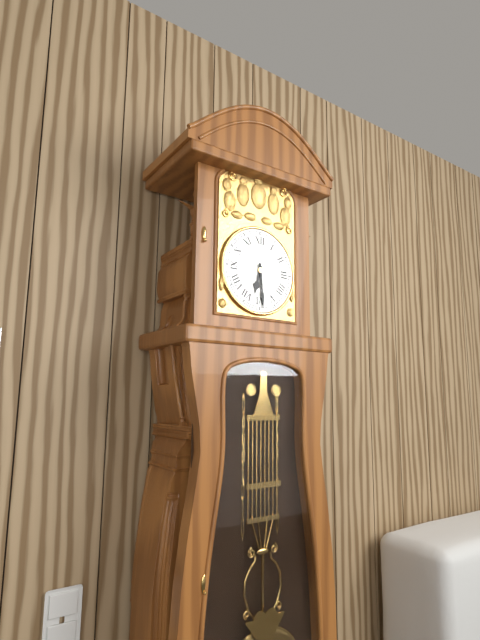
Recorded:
{"hour": 6, "minute": 29}
